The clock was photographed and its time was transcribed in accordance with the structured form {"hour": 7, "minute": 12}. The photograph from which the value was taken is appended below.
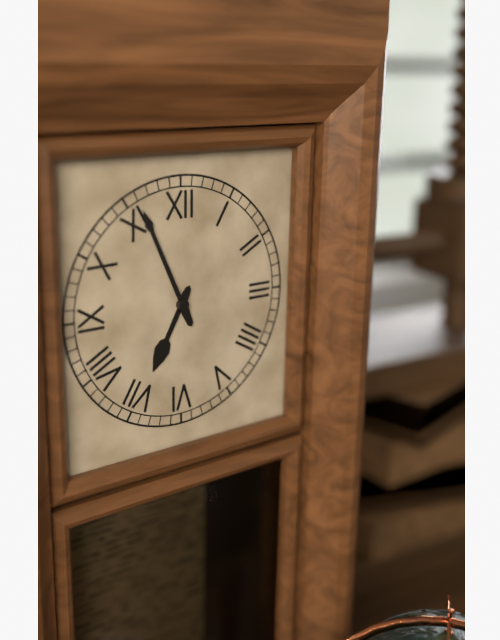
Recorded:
{"hour": 6, "minute": 56}
